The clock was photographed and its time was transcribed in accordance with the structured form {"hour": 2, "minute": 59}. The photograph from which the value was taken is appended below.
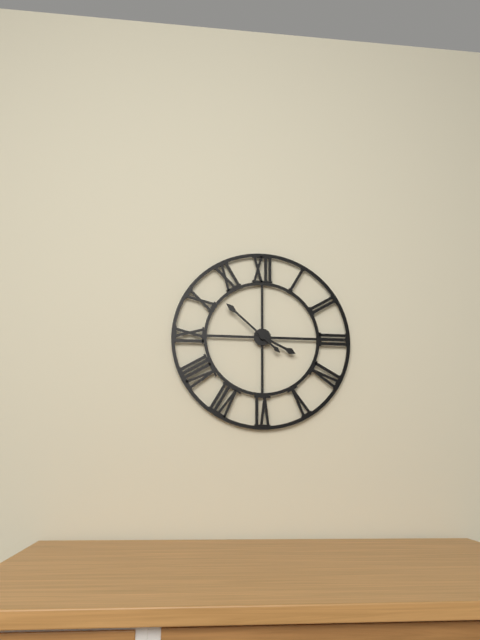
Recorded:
{"hour": 3, "minute": 52}
